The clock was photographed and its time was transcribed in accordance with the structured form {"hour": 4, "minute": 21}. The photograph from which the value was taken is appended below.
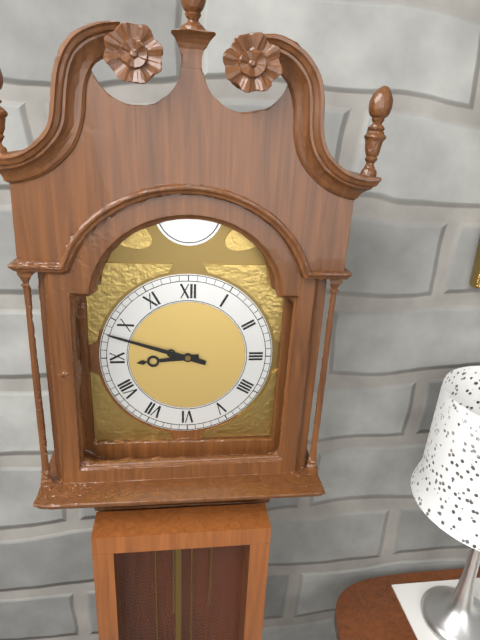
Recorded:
{"hour": 8, "minute": 48}
